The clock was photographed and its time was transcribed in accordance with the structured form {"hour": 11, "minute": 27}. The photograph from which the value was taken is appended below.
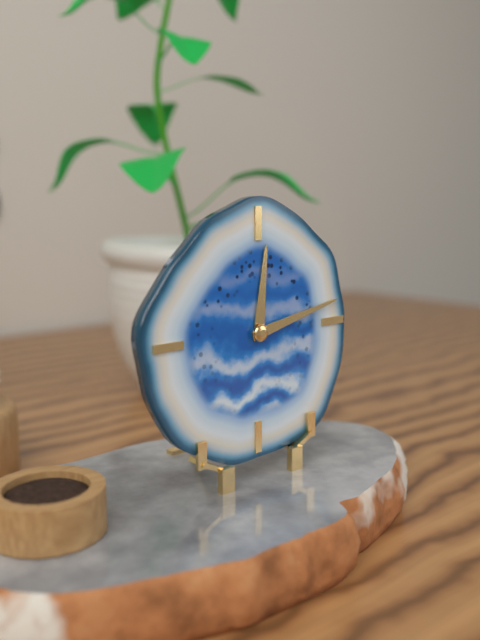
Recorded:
{"hour": 12, "minute": 13}
